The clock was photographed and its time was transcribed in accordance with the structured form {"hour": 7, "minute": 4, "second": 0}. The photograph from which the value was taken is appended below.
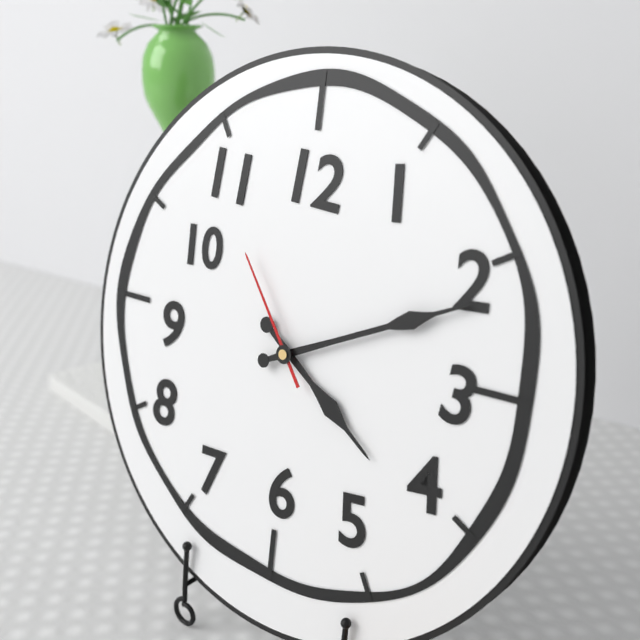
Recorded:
{"hour": 4, "minute": 11, "second": 54}
